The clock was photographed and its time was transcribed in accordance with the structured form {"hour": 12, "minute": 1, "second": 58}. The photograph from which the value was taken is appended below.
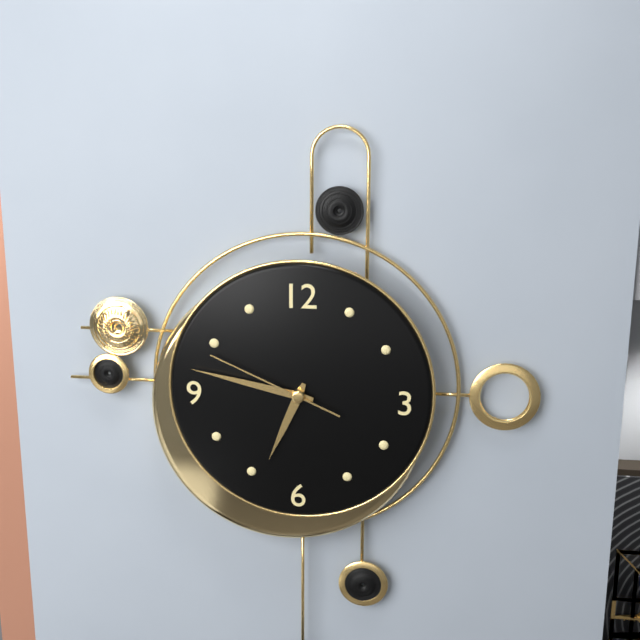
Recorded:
{"hour": 6, "minute": 47, "second": 49}
